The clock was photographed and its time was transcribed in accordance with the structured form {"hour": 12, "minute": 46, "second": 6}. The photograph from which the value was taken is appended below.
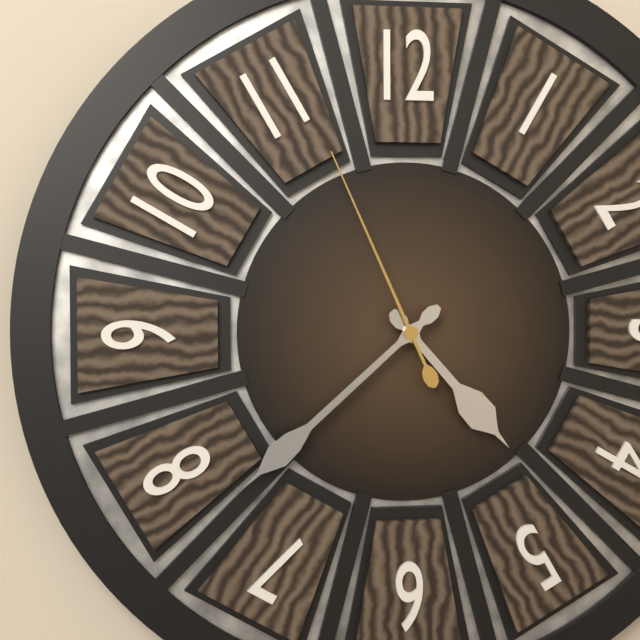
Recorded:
{"hour": 4, "minute": 38, "second": 56}
